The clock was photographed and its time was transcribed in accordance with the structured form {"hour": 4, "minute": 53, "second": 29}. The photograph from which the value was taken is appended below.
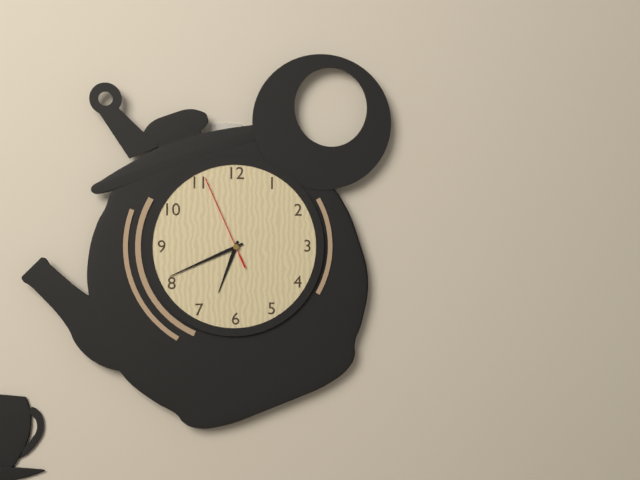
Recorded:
{"hour": 6, "minute": 41, "second": 56}
